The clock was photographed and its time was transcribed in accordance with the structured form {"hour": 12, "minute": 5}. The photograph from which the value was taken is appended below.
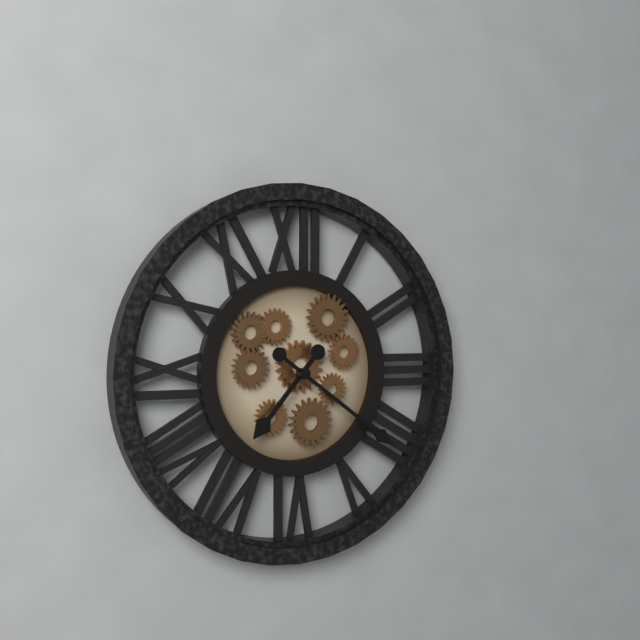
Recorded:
{"hour": 7, "minute": 21}
